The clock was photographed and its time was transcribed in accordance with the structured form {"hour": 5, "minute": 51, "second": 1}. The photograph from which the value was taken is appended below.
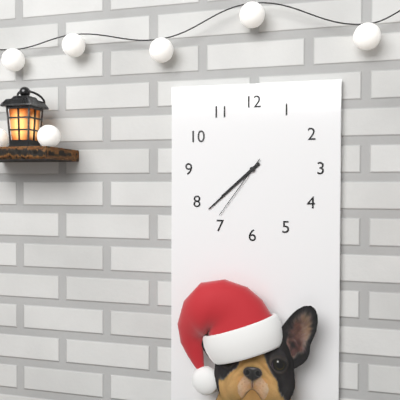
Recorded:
{"hour": 7, "minute": 38, "second": 36}
